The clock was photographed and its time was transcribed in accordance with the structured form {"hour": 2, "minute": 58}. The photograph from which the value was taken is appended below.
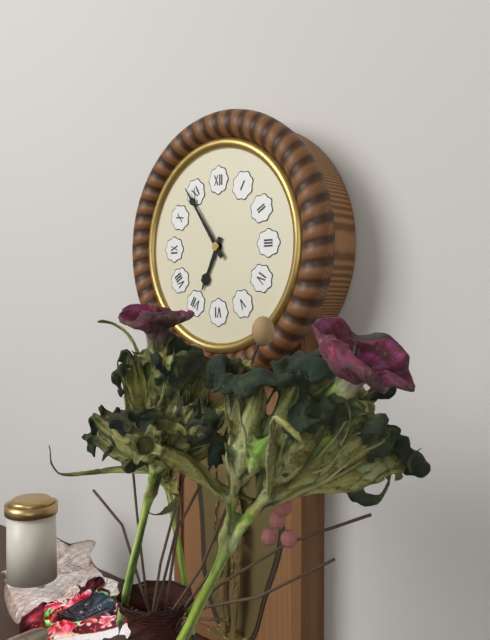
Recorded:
{"hour": 6, "minute": 54}
